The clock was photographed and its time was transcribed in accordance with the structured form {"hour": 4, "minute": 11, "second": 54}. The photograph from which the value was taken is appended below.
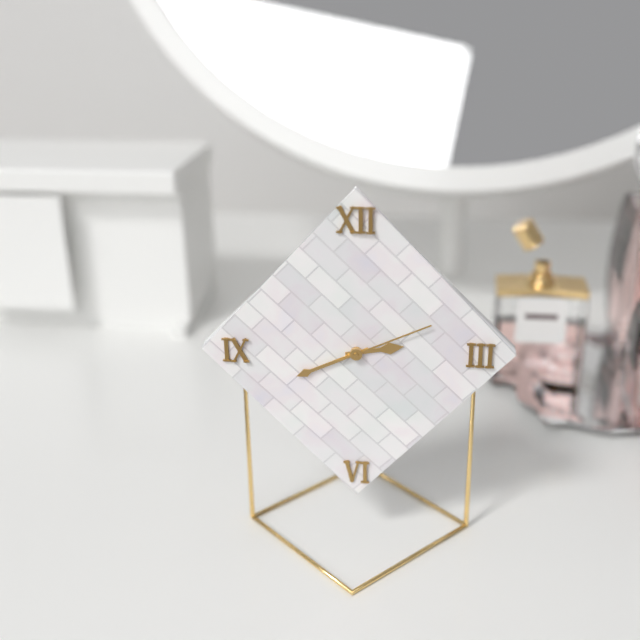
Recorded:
{"hour": 2, "minute": 41, "second": 11}
